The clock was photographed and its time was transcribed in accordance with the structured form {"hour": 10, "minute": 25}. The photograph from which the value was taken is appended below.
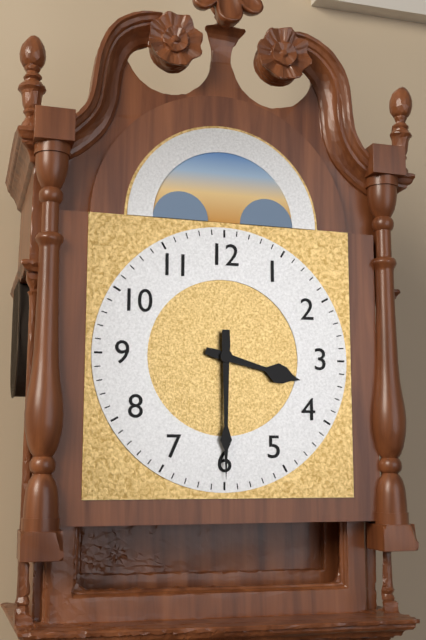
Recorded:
{"hour": 3, "minute": 30}
